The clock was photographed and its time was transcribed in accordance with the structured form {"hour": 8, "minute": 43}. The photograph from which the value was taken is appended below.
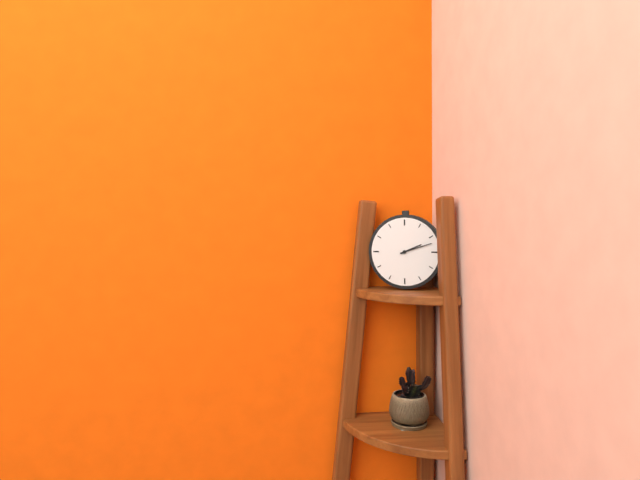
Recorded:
{"hour": 2, "minute": 12}
